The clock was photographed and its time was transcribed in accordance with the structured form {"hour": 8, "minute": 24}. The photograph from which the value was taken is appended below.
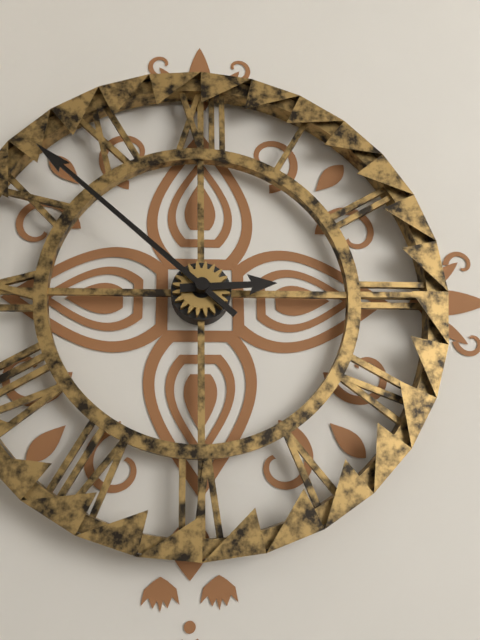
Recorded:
{"hour": 2, "minute": 52}
